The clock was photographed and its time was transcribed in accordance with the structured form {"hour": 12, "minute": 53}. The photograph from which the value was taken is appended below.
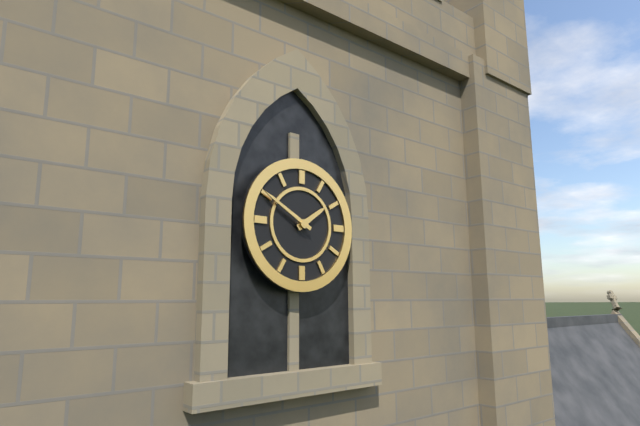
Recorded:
{"hour": 1, "minute": 50}
